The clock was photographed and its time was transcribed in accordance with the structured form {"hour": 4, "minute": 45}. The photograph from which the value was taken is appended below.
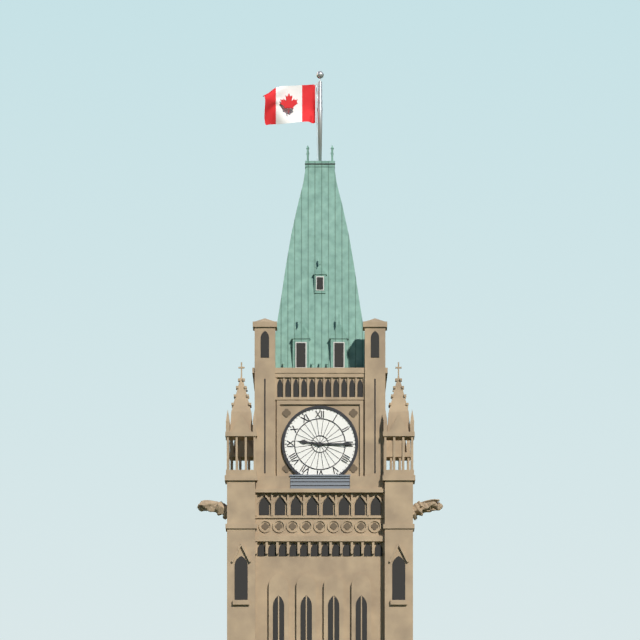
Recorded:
{"hour": 9, "minute": 15}
